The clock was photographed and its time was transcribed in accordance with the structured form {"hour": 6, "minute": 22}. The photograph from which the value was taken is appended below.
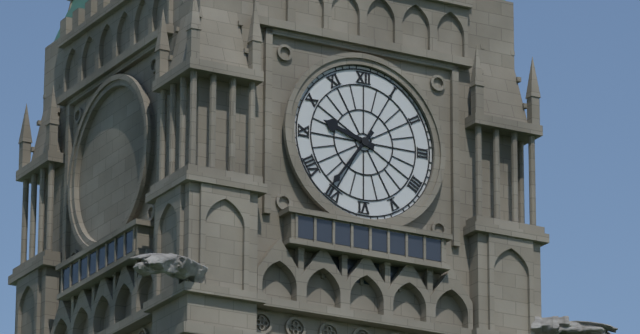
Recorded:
{"hour": 9, "minute": 36}
